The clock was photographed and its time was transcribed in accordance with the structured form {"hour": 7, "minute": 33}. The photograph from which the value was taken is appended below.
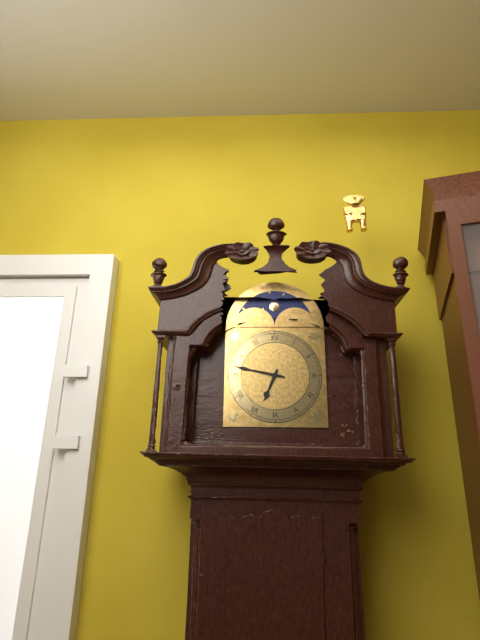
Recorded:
{"hour": 6, "minute": 47}
